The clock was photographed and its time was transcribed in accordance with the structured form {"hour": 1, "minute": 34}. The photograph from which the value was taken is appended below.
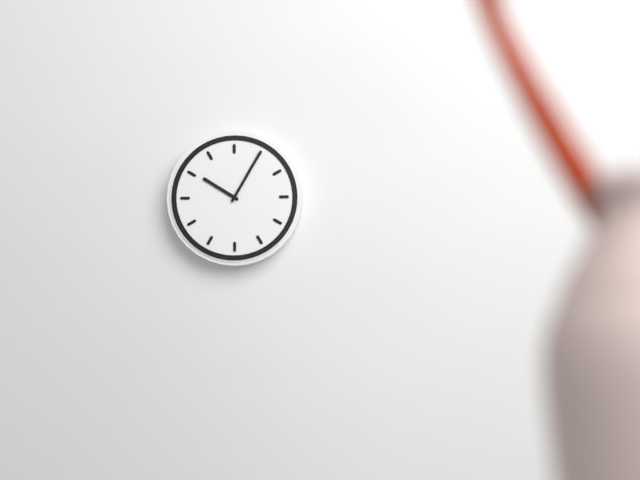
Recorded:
{"hour": 10, "minute": 5}
